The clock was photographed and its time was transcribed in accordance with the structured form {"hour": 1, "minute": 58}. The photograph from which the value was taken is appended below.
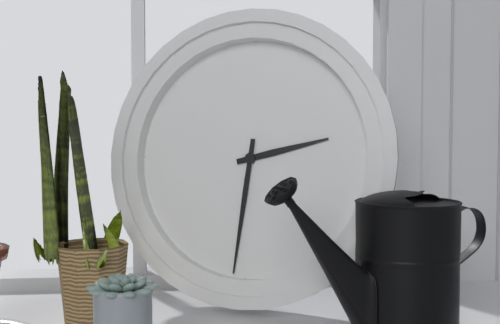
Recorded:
{"hour": 2, "minute": 31}
